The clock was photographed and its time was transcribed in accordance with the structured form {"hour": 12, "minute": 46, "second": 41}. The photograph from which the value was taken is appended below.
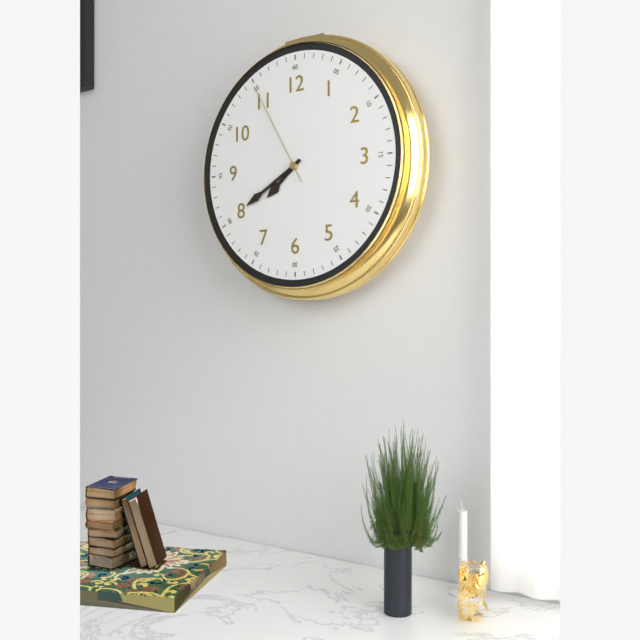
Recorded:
{"hour": 7, "minute": 40, "second": 55}
